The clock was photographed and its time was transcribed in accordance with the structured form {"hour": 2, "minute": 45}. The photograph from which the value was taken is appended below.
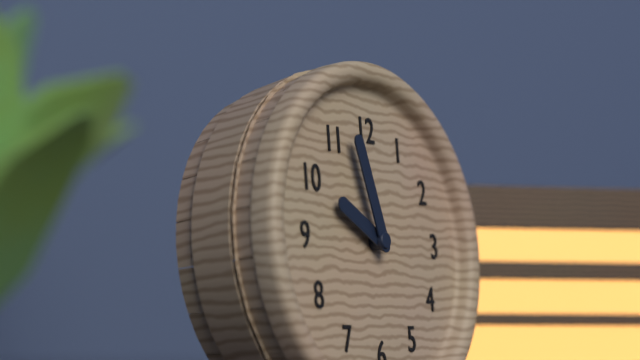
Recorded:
{"hour": 9, "minute": 57}
